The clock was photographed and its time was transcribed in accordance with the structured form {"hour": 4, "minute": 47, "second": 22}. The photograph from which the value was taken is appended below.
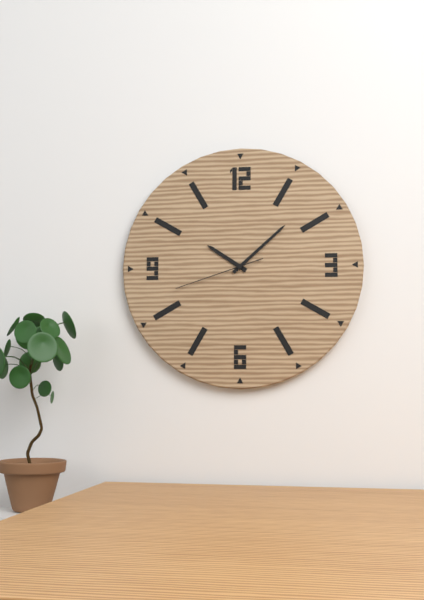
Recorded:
{"hour": 10, "minute": 8, "second": 42}
